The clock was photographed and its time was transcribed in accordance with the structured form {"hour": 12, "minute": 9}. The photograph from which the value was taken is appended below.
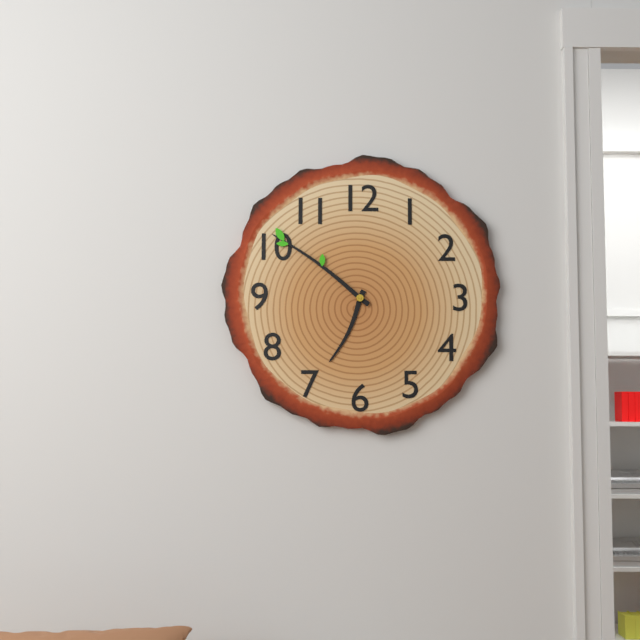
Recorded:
{"hour": 6, "minute": 51}
